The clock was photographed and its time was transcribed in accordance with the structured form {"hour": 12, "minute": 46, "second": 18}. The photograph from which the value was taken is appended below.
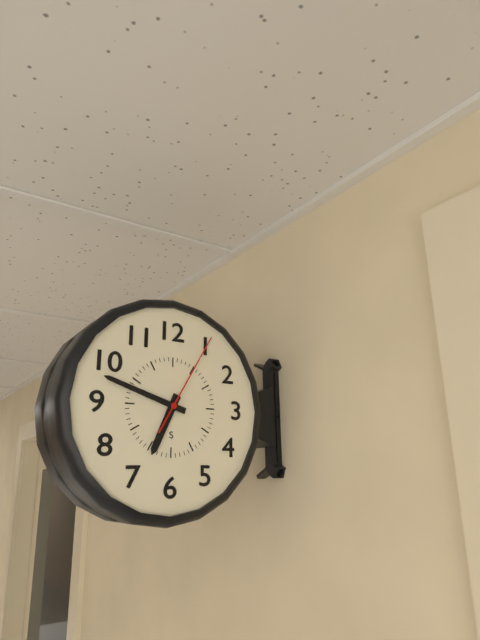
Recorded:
{"hour": 6, "minute": 48, "second": 5}
